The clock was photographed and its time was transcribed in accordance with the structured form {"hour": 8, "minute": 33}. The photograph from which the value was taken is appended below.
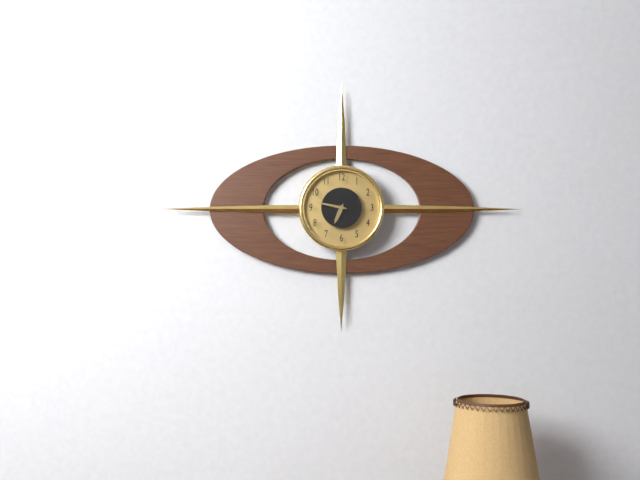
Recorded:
{"hour": 6, "minute": 47}
